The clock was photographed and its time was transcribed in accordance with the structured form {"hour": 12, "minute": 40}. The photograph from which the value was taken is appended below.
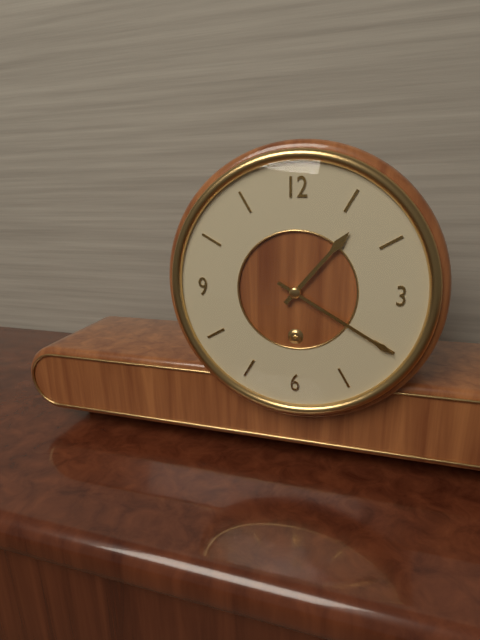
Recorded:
{"hour": 1, "minute": 20}
